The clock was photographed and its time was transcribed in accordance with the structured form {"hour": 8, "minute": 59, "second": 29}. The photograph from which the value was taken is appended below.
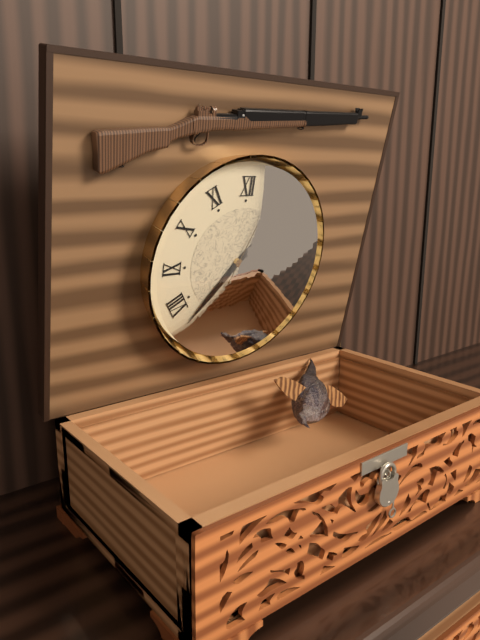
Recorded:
{"hour": 1, "minute": 37, "second": 4}
